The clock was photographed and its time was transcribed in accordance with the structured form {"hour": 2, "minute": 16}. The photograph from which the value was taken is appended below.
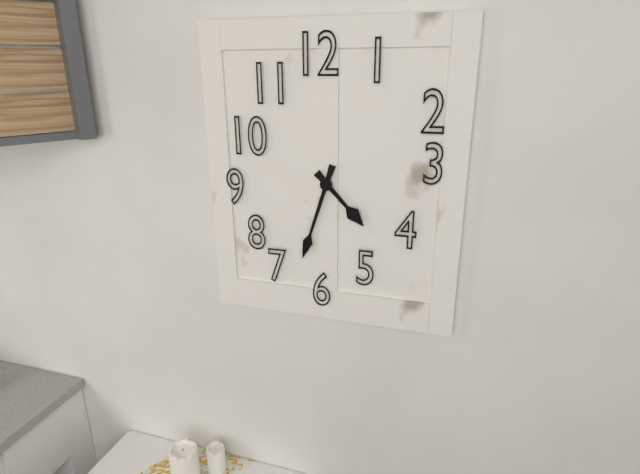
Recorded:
{"hour": 4, "minute": 33}
